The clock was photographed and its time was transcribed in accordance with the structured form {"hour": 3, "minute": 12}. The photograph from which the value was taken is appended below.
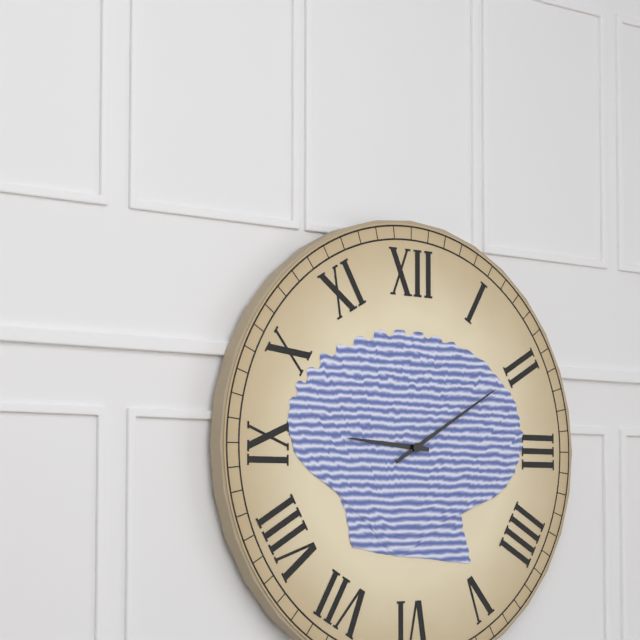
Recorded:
{"hour": 9, "minute": 10}
